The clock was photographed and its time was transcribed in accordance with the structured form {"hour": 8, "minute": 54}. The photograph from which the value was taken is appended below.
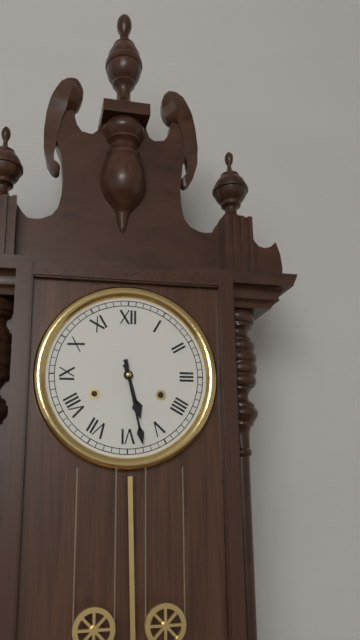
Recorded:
{"hour": 5, "minute": 28}
